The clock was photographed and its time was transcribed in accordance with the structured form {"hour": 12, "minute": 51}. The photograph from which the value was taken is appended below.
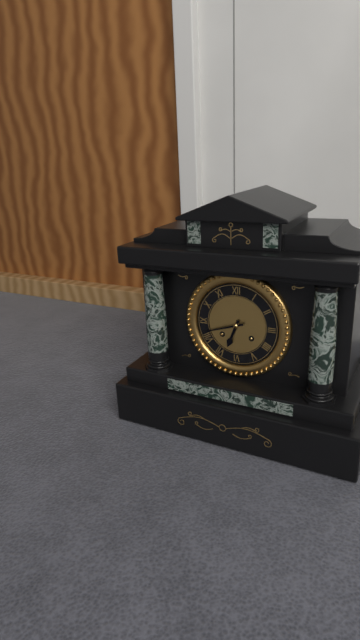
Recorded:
{"hour": 6, "minute": 42}
